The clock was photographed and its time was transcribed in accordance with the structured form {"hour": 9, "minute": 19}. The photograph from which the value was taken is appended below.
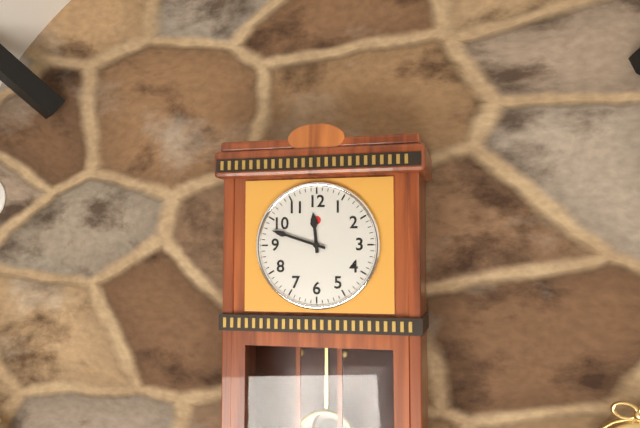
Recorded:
{"hour": 11, "minute": 48}
